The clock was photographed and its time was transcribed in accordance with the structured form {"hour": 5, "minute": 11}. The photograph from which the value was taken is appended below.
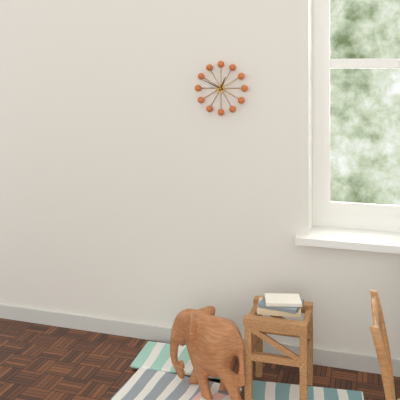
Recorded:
{"hour": 12, "minute": 49}
